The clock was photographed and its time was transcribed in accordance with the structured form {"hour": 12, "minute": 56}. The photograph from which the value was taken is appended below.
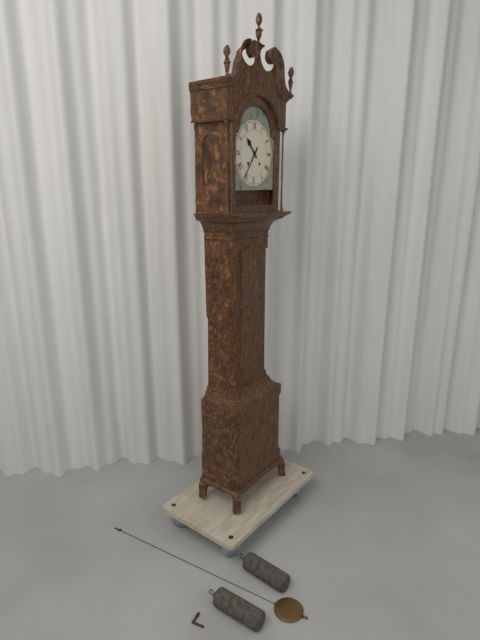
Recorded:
{"hour": 10, "minute": 36}
